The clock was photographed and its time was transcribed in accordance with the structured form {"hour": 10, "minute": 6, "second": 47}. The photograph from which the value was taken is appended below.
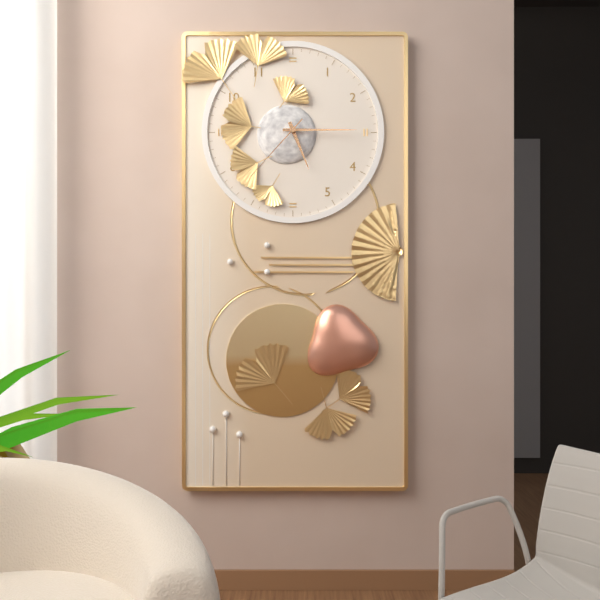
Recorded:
{"hour": 5, "minute": 15, "second": 37}
